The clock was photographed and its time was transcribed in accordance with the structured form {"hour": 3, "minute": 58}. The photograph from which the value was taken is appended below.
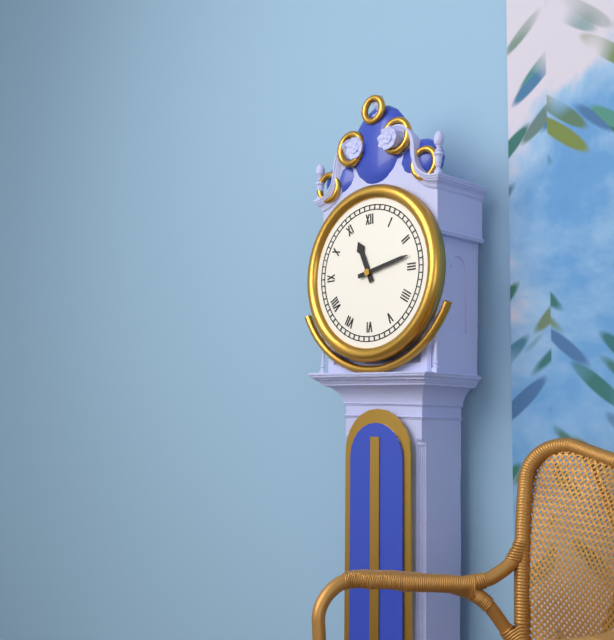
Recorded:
{"hour": 11, "minute": 13}
